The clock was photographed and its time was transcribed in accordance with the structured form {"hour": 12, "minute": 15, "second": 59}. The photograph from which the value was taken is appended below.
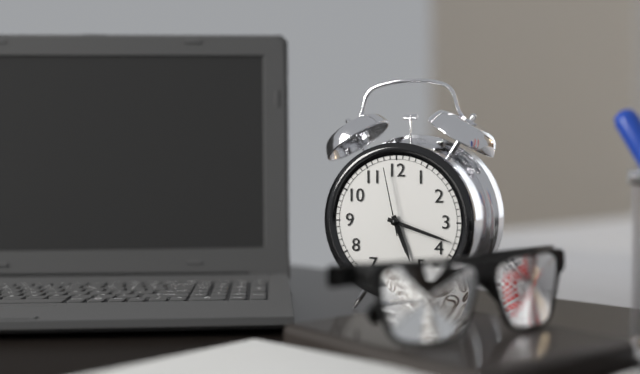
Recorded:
{"hour": 5, "minute": 18, "second": 58}
